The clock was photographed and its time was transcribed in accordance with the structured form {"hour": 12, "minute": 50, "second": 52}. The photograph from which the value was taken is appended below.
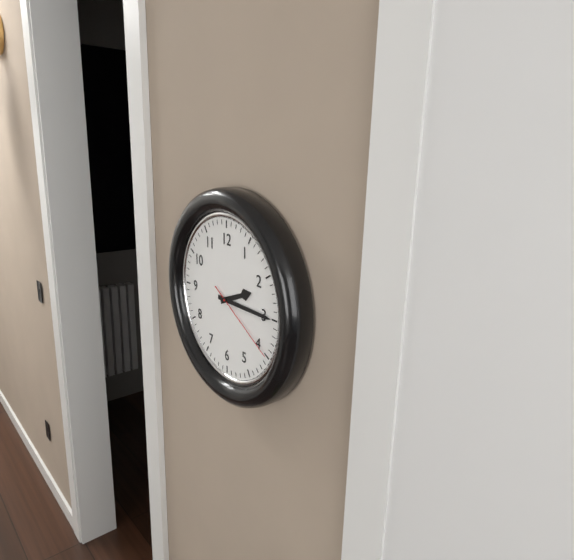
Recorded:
{"hour": 2, "minute": 15, "second": 20}
